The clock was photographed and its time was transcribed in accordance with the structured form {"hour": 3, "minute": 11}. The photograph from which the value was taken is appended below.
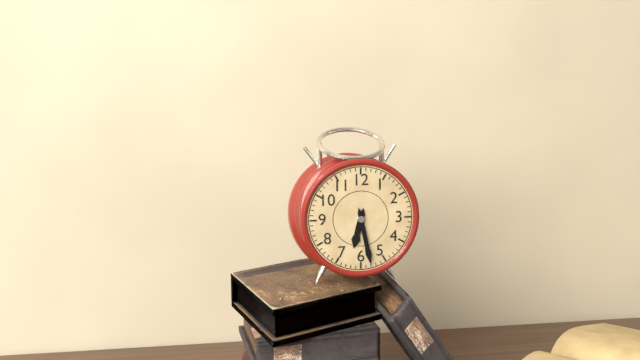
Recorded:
{"hour": 6, "minute": 28}
